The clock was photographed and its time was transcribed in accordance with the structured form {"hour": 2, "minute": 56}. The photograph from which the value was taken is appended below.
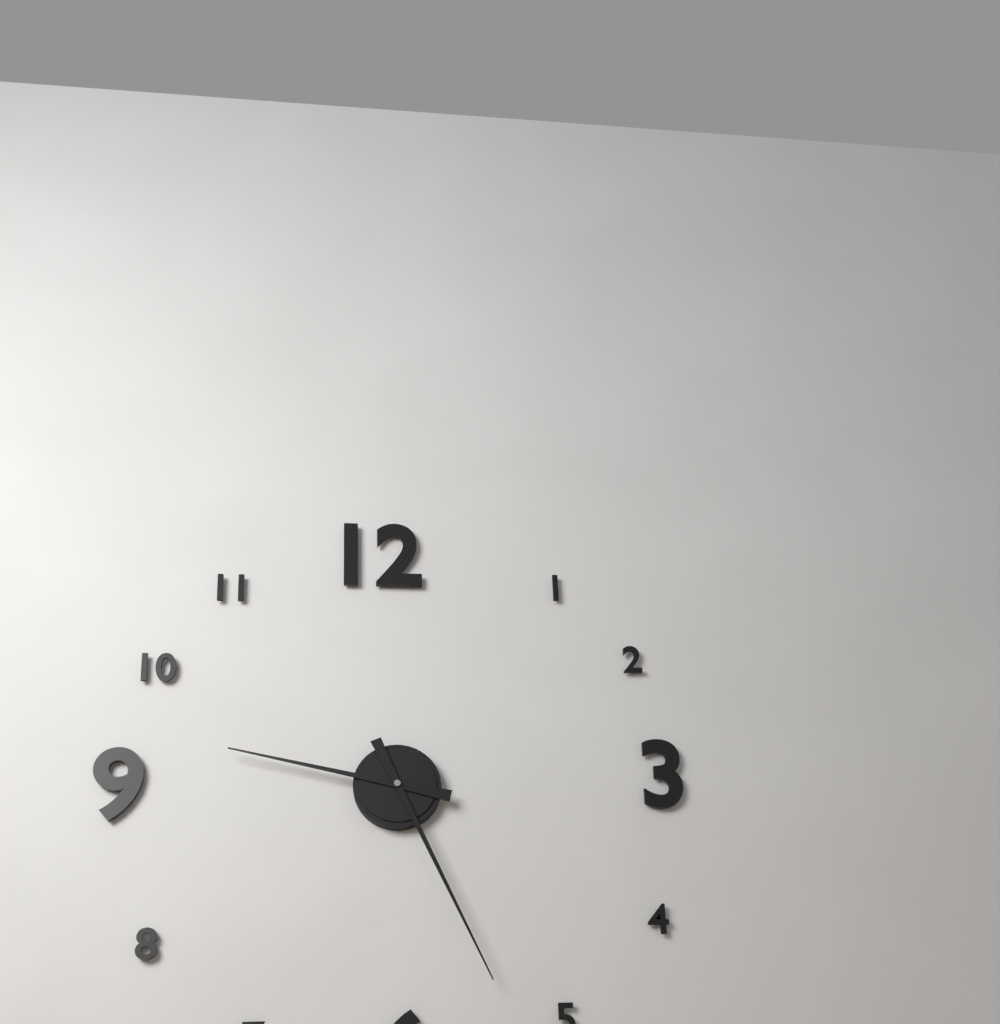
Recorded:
{"hour": 9, "minute": 26}
